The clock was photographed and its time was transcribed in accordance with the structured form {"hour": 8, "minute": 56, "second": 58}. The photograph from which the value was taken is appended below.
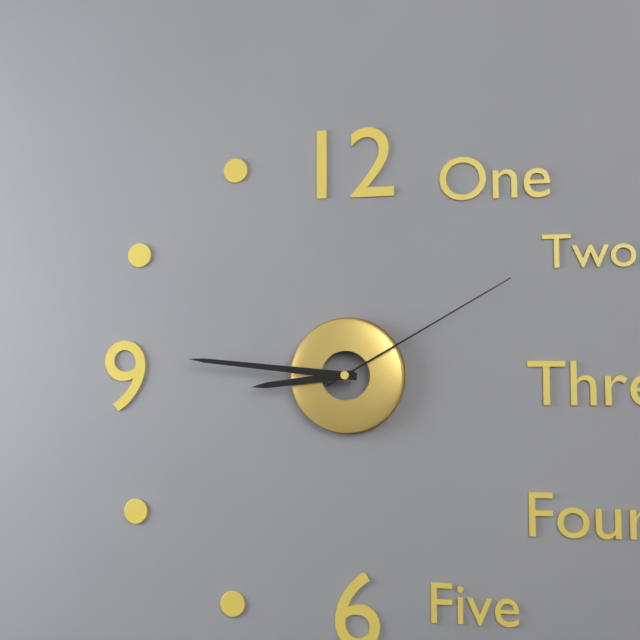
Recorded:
{"hour": 8, "minute": 46, "second": 10}
